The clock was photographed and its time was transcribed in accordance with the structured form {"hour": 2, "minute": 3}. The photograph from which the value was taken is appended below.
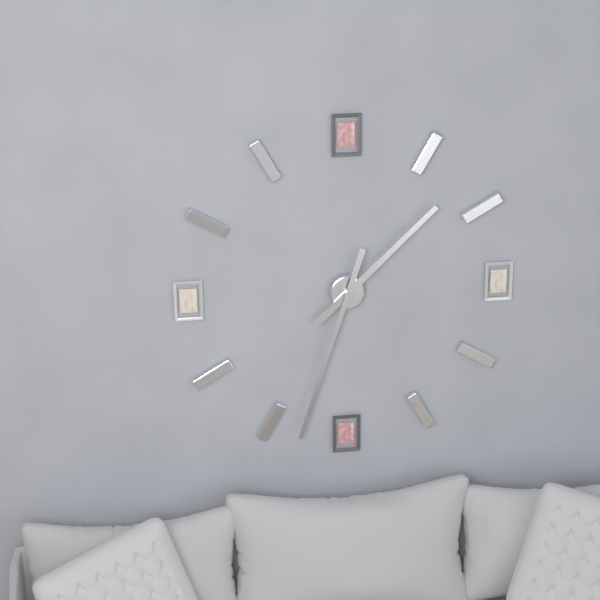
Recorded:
{"hour": 1, "minute": 33}
